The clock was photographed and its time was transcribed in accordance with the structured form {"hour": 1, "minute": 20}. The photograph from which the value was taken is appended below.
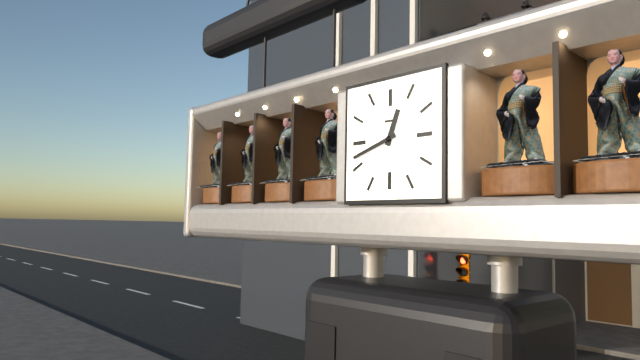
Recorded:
{"hour": 12, "minute": 42}
